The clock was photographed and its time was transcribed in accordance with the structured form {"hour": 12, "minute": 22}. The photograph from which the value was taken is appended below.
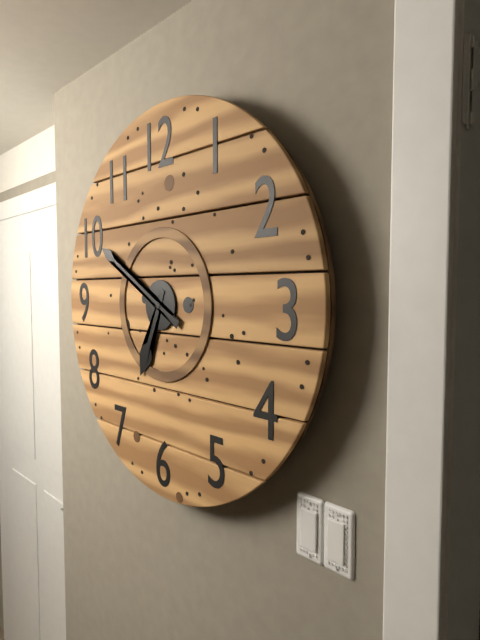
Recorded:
{"hour": 6, "minute": 50}
